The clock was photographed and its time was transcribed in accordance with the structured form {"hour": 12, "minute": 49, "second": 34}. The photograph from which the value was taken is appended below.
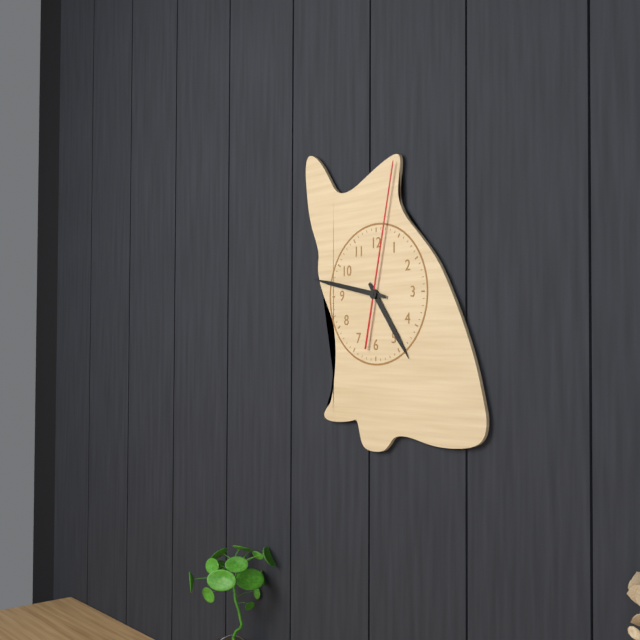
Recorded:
{"hour": 4, "minute": 47, "second": 2}
